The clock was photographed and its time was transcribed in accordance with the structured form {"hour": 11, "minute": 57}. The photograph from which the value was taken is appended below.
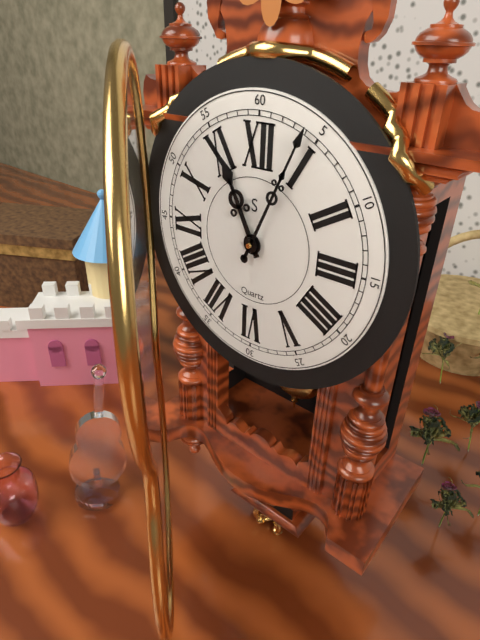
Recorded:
{"hour": 11, "minute": 4}
